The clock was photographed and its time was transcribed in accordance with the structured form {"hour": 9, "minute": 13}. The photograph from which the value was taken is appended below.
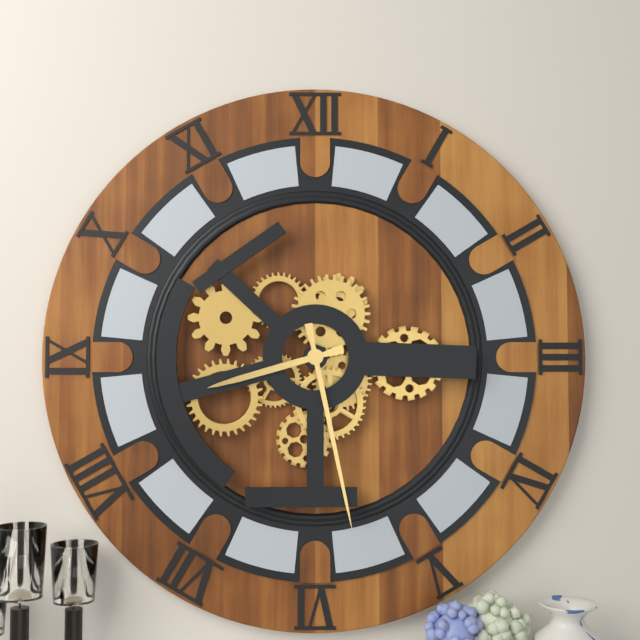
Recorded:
{"hour": 8, "minute": 28}
